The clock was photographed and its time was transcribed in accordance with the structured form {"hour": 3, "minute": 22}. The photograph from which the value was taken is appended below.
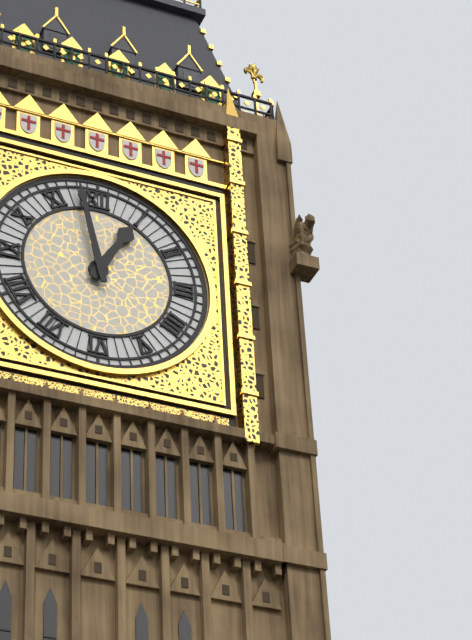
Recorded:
{"hour": 12, "minute": 58}
